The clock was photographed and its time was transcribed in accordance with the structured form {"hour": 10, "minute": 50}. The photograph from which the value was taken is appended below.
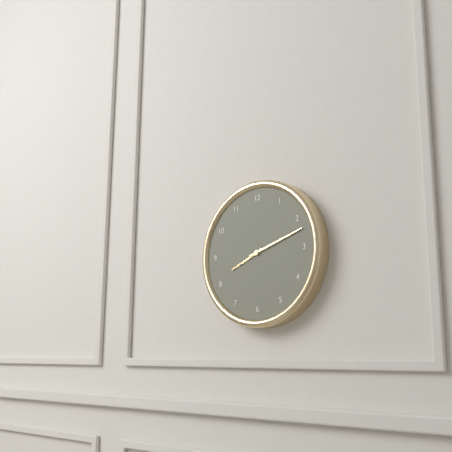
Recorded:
{"hour": 8, "minute": 12}
